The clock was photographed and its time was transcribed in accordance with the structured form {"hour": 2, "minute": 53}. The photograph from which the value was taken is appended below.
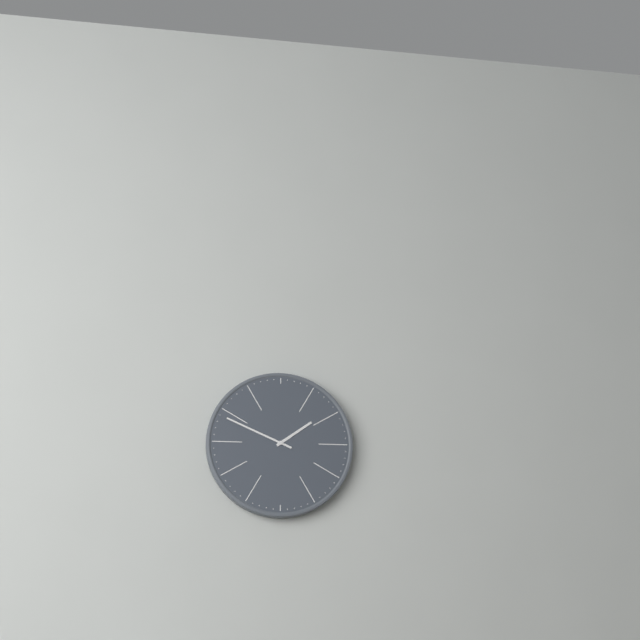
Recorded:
{"hour": 1, "minute": 49}
